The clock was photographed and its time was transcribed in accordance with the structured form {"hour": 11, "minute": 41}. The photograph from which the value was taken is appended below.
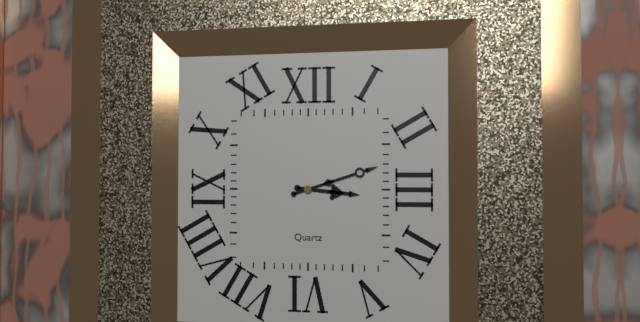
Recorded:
{"hour": 3, "minute": 12}
